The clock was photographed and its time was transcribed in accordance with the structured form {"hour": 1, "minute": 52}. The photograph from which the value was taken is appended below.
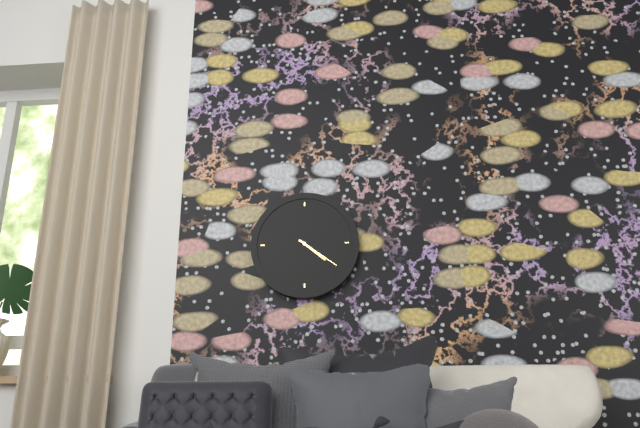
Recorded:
{"hour": 4, "minute": 21}
